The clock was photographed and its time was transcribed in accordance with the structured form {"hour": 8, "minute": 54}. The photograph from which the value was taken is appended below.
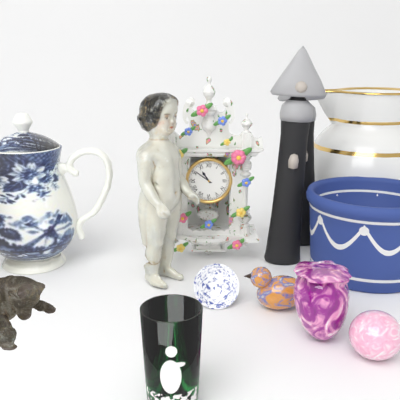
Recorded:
{"hour": 10, "minute": 51}
